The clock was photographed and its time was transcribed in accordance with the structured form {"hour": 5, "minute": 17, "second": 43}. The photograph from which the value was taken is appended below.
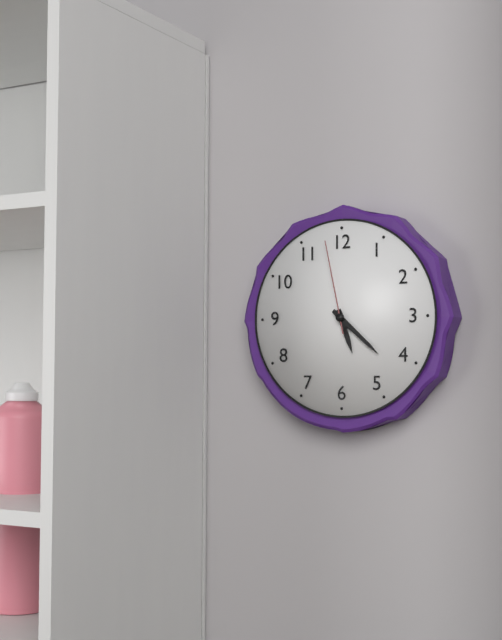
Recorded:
{"hour": 5, "minute": 22, "second": 58}
